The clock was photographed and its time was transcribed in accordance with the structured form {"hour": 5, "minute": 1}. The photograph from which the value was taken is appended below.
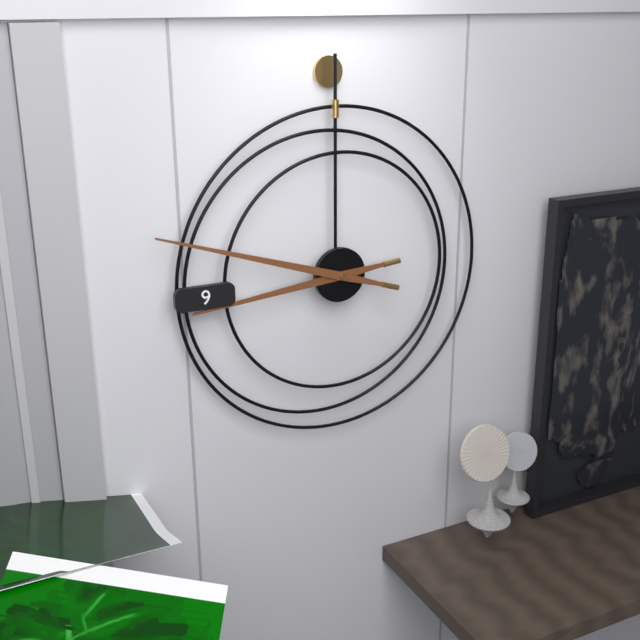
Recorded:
{"hour": 8, "minute": 48}
